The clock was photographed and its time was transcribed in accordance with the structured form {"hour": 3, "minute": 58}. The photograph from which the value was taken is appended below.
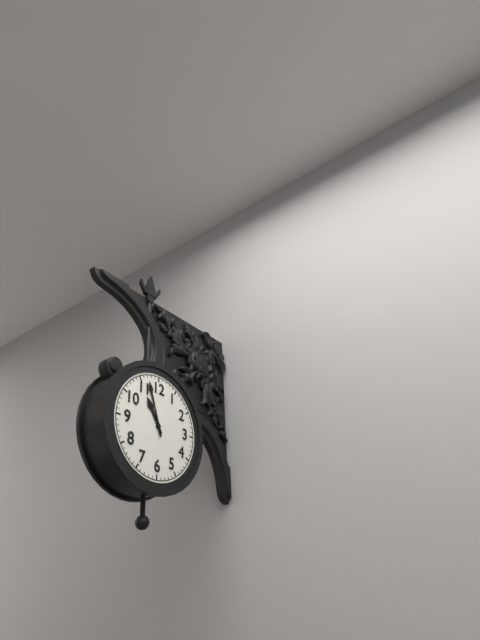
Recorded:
{"hour": 10, "minute": 57}
